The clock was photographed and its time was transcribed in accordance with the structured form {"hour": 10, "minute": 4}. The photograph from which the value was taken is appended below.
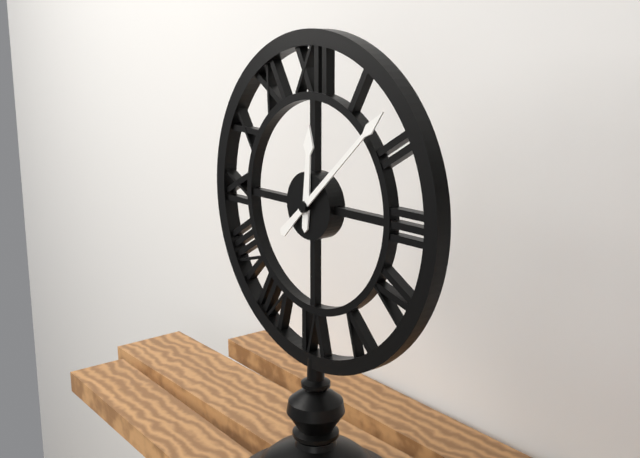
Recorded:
{"hour": 12, "minute": 8}
